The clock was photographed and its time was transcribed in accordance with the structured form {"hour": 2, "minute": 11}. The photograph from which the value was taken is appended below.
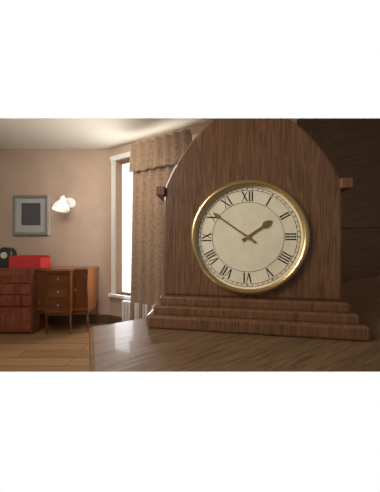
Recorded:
{"hour": 1, "minute": 51}
